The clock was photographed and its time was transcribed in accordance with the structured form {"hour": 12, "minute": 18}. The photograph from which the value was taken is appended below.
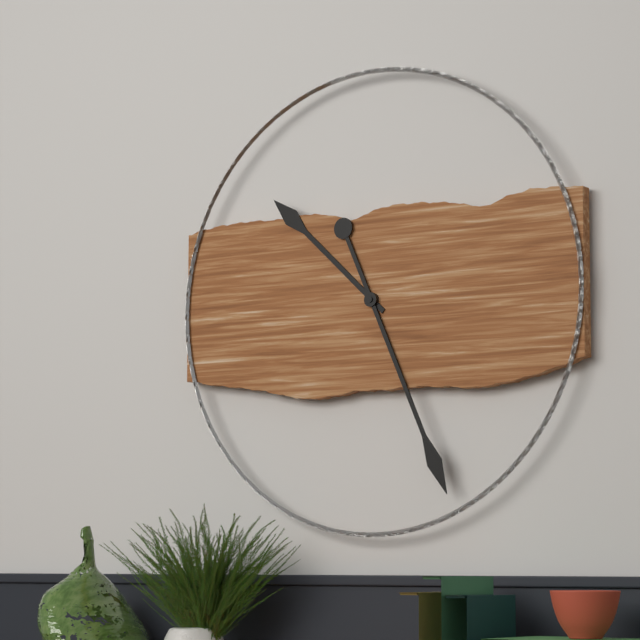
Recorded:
{"hour": 10, "minute": 26}
